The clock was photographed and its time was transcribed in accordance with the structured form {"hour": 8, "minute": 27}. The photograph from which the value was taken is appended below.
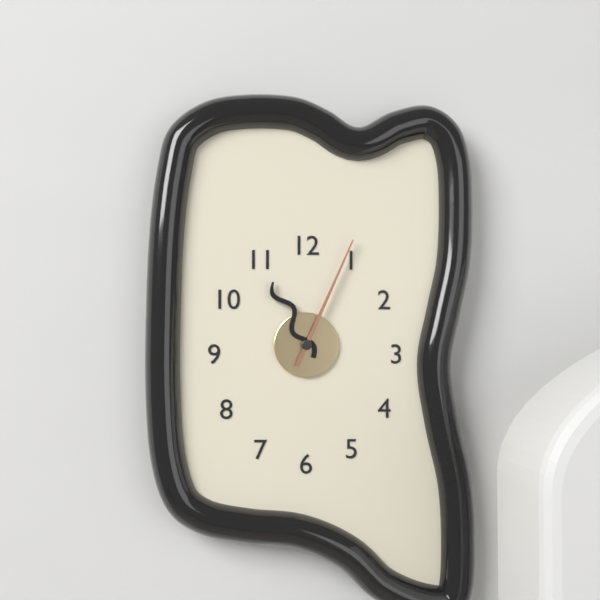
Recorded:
{"hour": 11, "minute": 4}
